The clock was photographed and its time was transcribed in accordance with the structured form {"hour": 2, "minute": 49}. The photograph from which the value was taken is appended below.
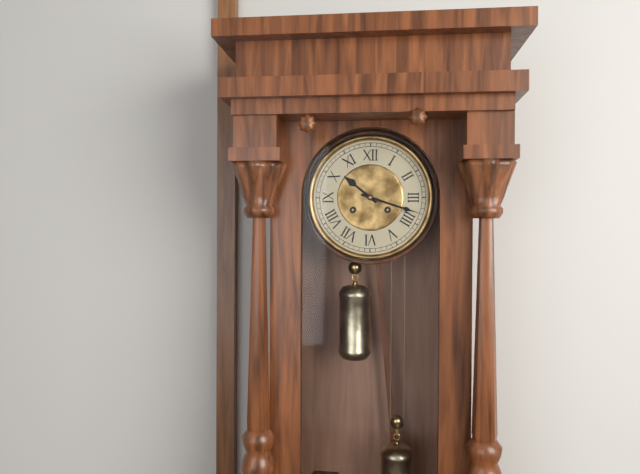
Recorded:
{"hour": 10, "minute": 18}
